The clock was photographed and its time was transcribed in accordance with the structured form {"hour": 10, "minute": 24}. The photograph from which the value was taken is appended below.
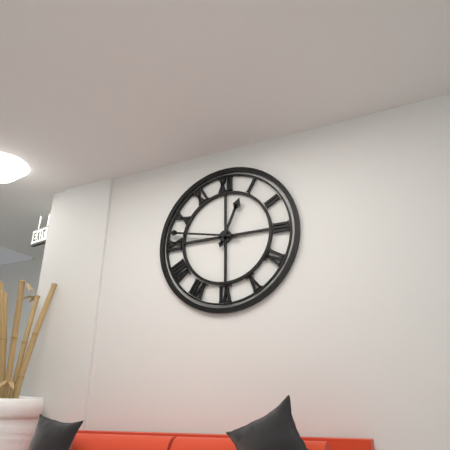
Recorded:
{"hour": 12, "minute": 47}
